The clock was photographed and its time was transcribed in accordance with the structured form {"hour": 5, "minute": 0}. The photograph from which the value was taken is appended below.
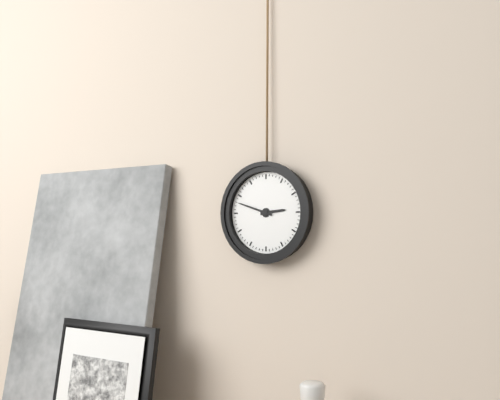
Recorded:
{"hour": 2, "minute": 48}
